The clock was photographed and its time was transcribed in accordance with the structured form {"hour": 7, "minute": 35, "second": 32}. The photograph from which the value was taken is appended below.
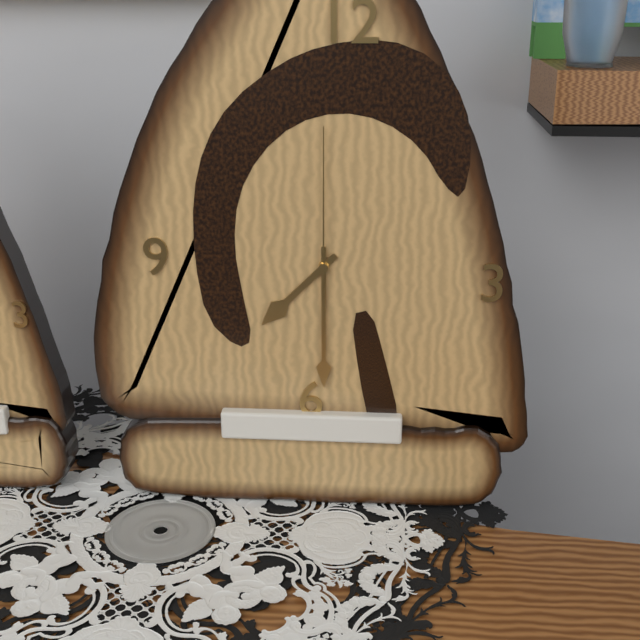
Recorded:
{"hour": 7, "minute": 30, "second": 0}
